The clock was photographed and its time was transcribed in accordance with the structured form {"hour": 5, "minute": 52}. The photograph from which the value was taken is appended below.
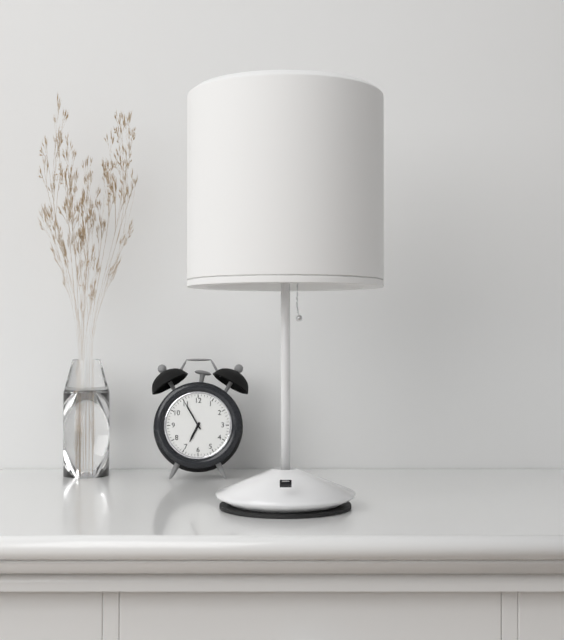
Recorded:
{"hour": 6, "minute": 55}
